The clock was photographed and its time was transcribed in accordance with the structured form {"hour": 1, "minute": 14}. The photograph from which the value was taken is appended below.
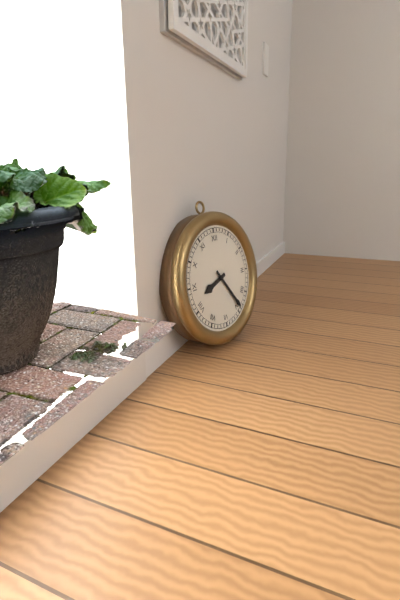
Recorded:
{"hour": 8, "minute": 24}
